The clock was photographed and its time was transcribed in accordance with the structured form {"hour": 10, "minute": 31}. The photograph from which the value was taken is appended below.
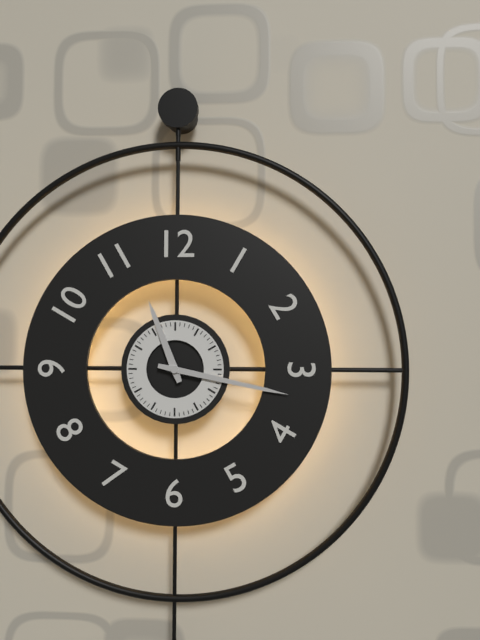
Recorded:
{"hour": 11, "minute": 17}
